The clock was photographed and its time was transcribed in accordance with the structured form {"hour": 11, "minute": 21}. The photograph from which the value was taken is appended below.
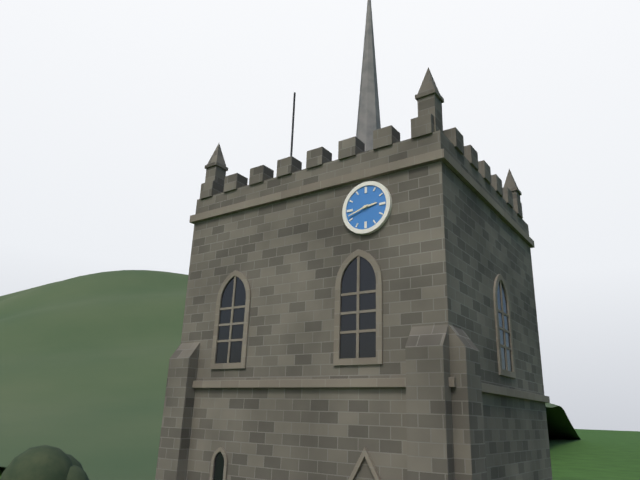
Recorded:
{"hour": 2, "minute": 42}
